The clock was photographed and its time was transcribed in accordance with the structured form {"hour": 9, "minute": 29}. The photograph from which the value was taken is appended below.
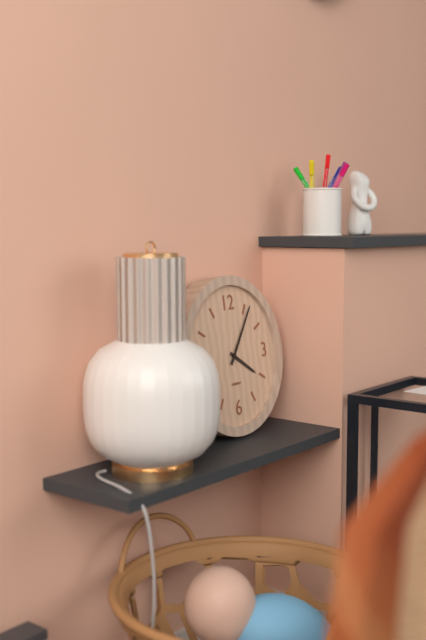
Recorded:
{"hour": 4, "minute": 6}
